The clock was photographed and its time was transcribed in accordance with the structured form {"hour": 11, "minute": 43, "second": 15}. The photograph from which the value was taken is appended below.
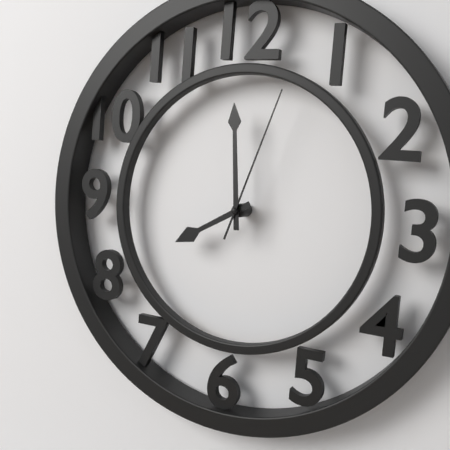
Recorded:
{"hour": 7, "minute": 59, "second": 3}
